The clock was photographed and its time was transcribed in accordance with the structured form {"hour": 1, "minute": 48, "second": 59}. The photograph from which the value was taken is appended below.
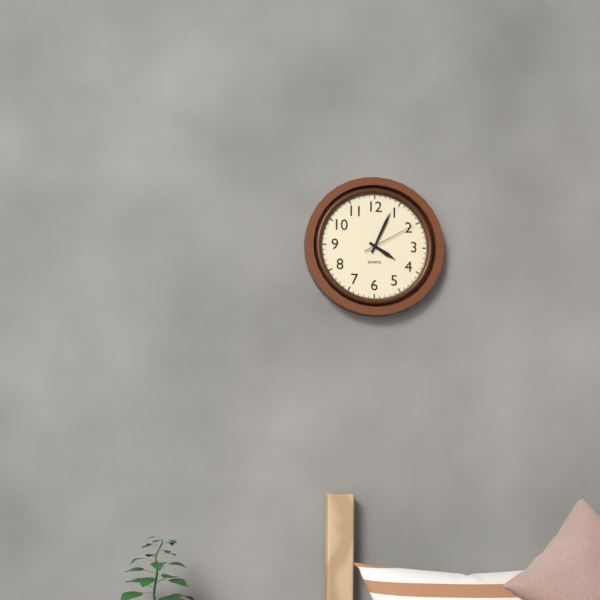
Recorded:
{"hour": 4, "minute": 4, "second": 10}
